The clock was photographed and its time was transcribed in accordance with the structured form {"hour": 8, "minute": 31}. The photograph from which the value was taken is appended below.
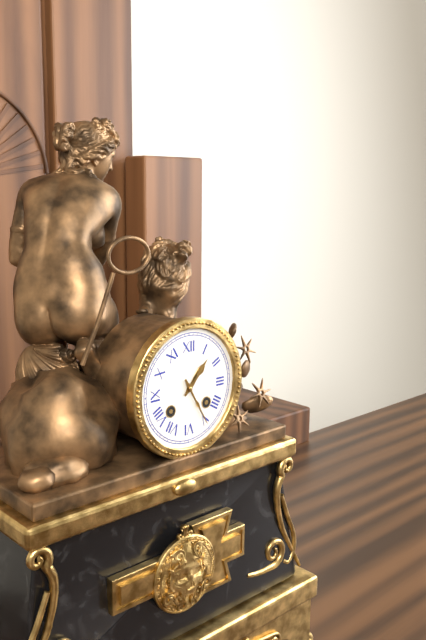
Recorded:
{"hour": 1, "minute": 25}
